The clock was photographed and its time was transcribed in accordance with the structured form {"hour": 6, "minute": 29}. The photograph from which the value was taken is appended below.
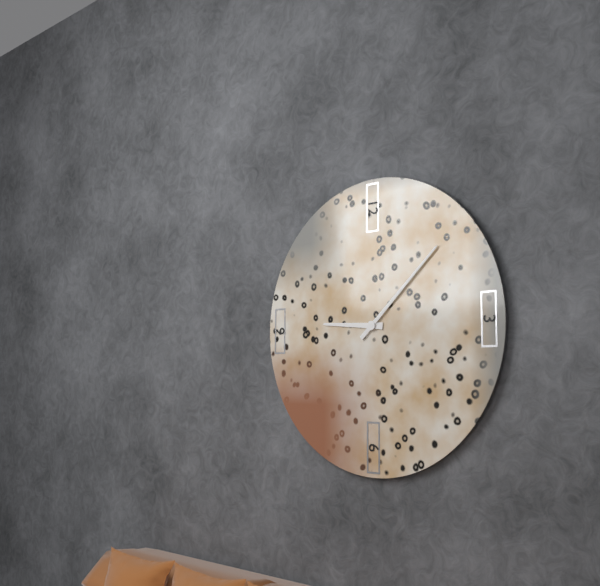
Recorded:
{"hour": 9, "minute": 8}
